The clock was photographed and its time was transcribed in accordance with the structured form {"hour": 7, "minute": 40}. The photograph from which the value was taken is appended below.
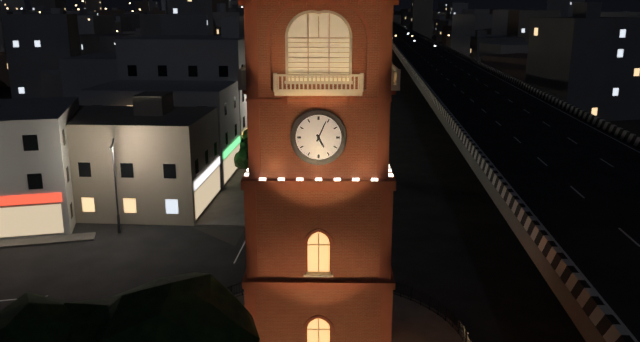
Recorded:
{"hour": 5, "minute": 4}
